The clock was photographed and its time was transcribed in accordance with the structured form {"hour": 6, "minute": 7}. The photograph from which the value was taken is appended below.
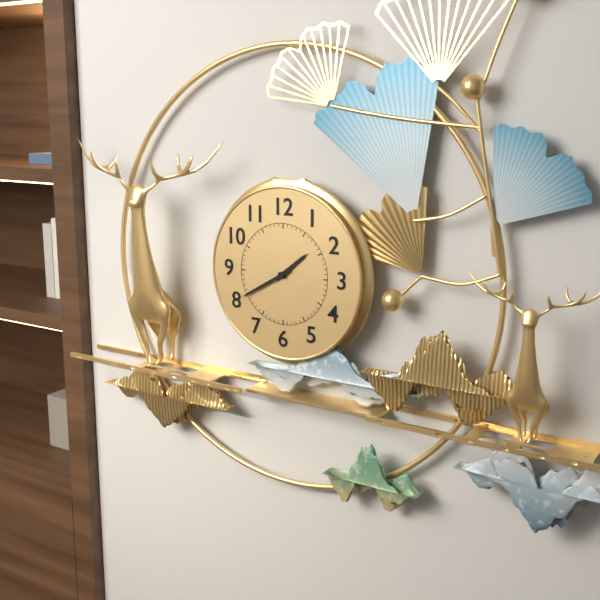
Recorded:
{"hour": 1, "minute": 40}
